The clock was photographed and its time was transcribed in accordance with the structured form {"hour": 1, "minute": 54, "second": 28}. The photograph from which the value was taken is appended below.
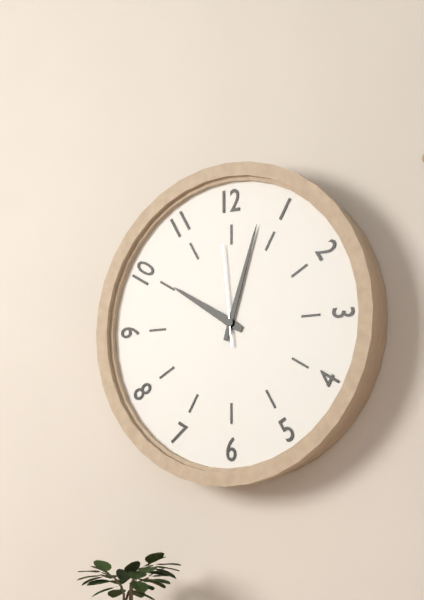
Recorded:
{"hour": 10, "minute": 3, "second": 59}
